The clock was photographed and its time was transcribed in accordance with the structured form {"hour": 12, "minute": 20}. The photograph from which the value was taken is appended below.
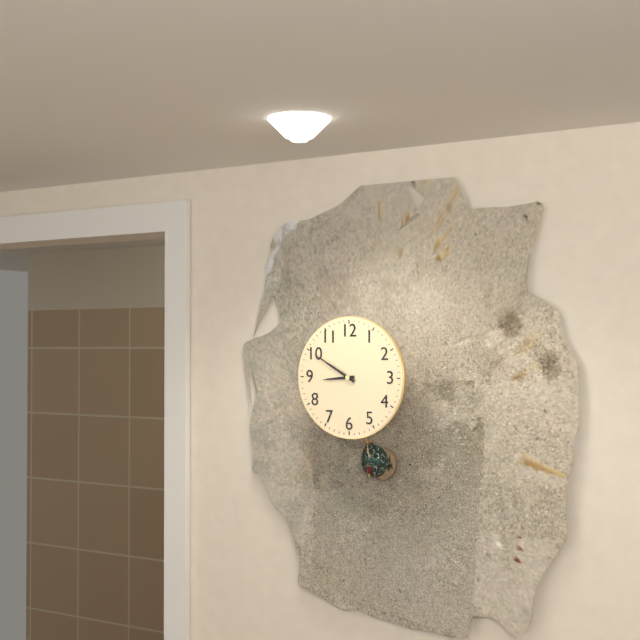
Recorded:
{"hour": 8, "minute": 50}
